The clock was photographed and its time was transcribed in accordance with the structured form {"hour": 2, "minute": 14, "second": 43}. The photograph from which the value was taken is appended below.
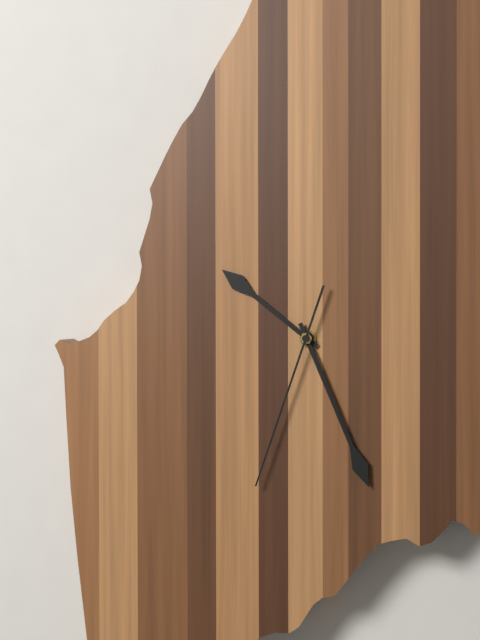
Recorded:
{"hour": 10, "minute": 27, "second": 34}
